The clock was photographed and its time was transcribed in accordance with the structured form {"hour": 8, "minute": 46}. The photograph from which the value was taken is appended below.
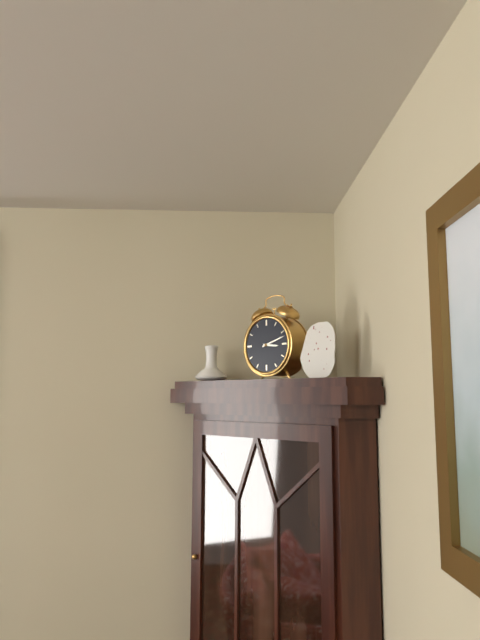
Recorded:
{"hour": 3, "minute": 12}
